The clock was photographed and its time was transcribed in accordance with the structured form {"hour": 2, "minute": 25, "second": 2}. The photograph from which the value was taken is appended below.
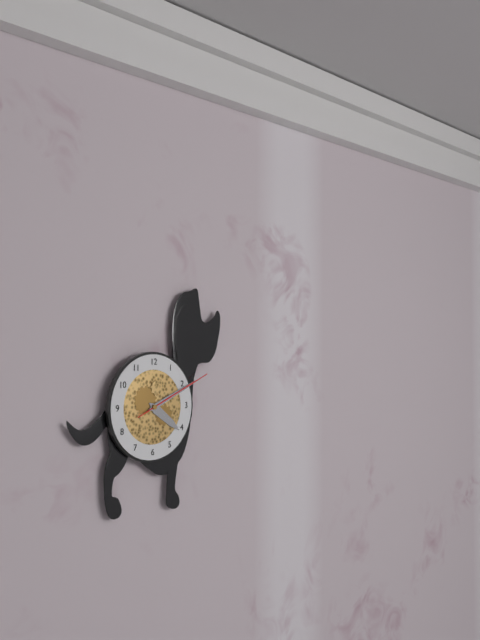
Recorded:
{"hour": 4, "minute": 11, "second": 11}
